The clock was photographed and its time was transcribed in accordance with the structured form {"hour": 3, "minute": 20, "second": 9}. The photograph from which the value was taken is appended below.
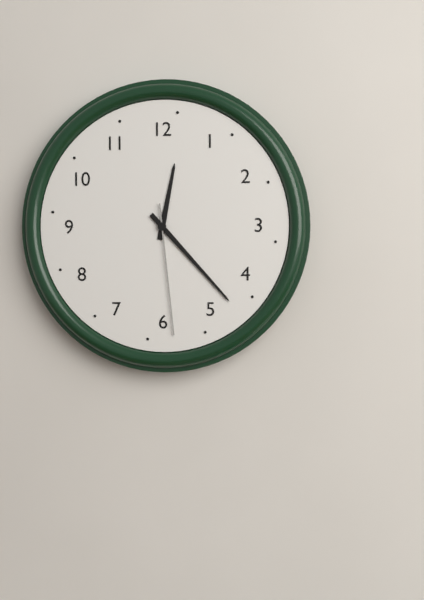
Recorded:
{"hour": 12, "minute": 23, "second": 29}
